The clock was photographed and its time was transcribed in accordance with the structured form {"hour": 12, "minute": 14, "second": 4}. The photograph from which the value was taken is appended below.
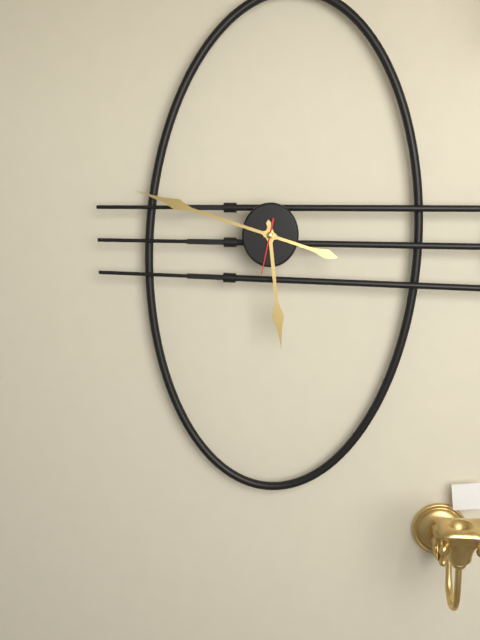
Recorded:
{"hour": 5, "minute": 48, "second": 32}
